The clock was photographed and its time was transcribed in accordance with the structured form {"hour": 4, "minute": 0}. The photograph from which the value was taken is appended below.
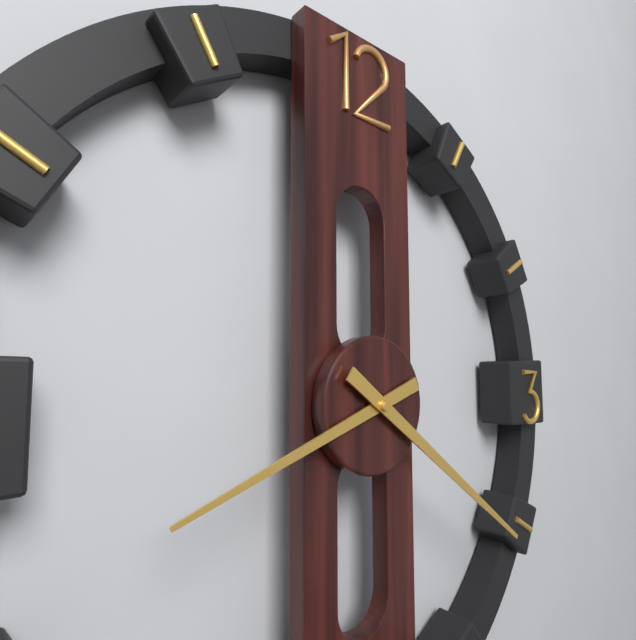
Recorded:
{"hour": 8, "minute": 21}
